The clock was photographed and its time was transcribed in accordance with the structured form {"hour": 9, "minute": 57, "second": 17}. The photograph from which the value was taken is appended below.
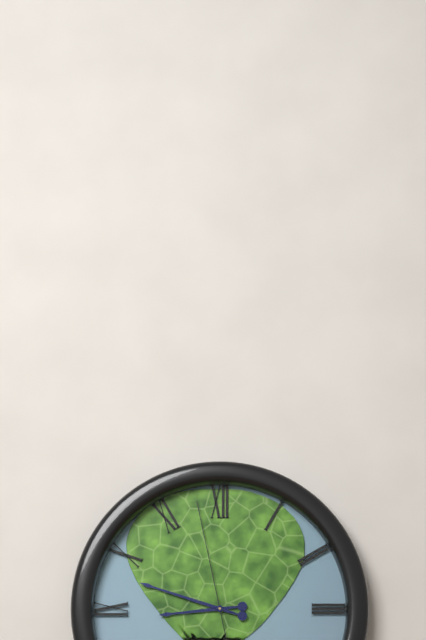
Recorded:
{"hour": 8, "minute": 48, "second": 58}
